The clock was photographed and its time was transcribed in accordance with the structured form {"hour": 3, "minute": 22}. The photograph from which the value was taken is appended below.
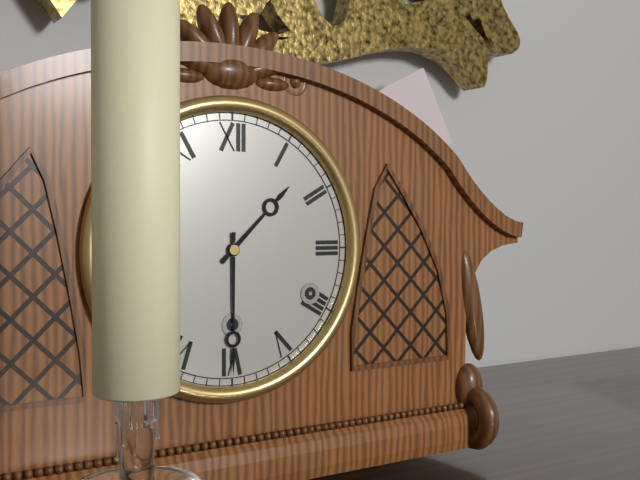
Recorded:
{"hour": 1, "minute": 30}
